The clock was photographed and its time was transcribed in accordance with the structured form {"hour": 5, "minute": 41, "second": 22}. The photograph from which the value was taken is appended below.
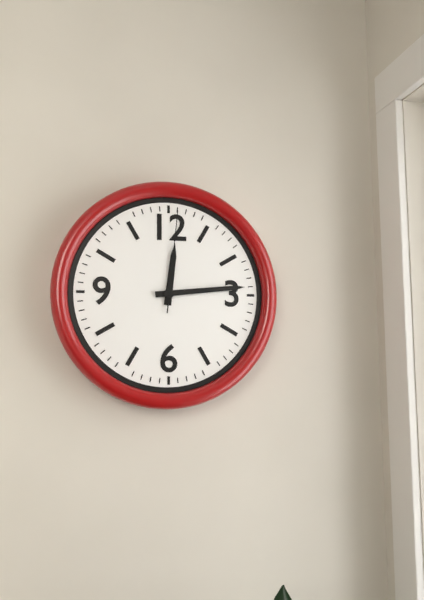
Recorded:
{"hour": 12, "minute": 14, "second": 1}
